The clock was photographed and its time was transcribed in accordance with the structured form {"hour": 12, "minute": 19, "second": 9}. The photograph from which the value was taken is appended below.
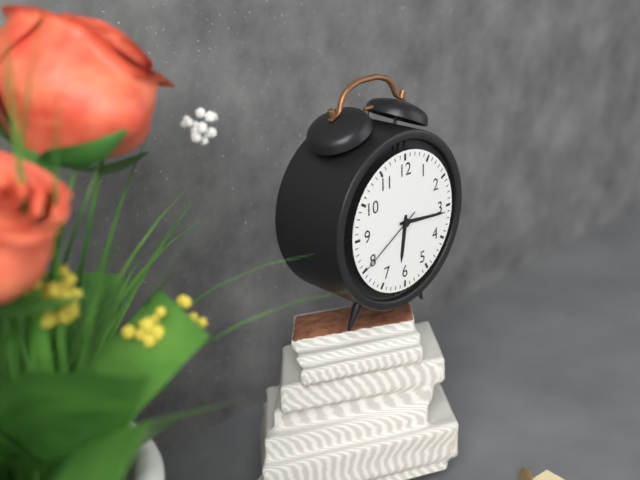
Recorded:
{"hour": 6, "minute": 16, "second": 40}
